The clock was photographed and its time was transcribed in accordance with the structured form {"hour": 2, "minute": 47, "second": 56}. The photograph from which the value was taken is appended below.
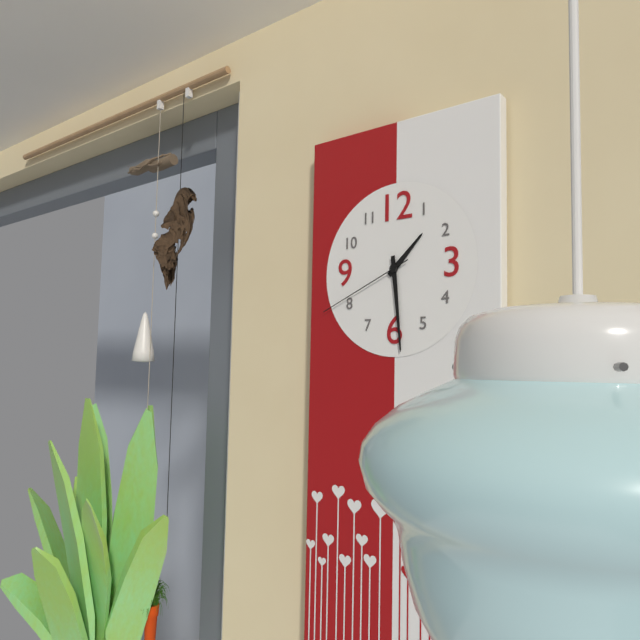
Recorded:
{"hour": 1, "minute": 29, "second": 41}
